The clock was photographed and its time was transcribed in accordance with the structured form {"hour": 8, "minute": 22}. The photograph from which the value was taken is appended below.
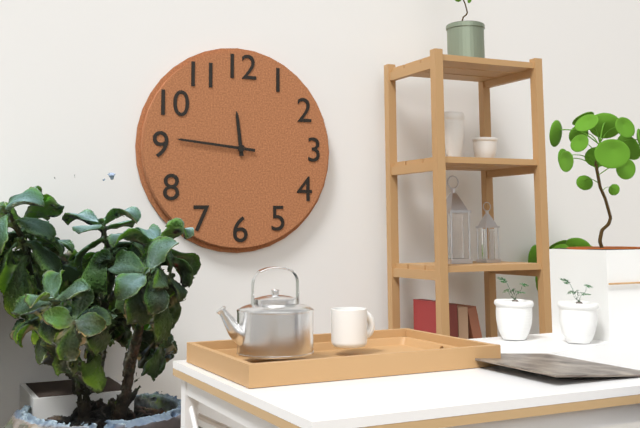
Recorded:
{"hour": 11, "minute": 46}
